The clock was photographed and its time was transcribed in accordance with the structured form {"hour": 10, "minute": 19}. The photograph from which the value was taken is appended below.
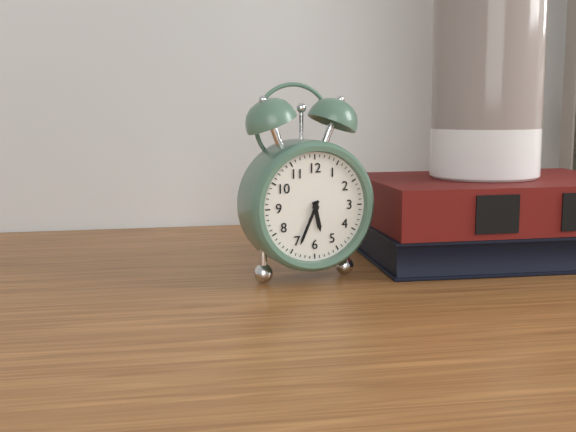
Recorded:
{"hour": 5, "minute": 34}
